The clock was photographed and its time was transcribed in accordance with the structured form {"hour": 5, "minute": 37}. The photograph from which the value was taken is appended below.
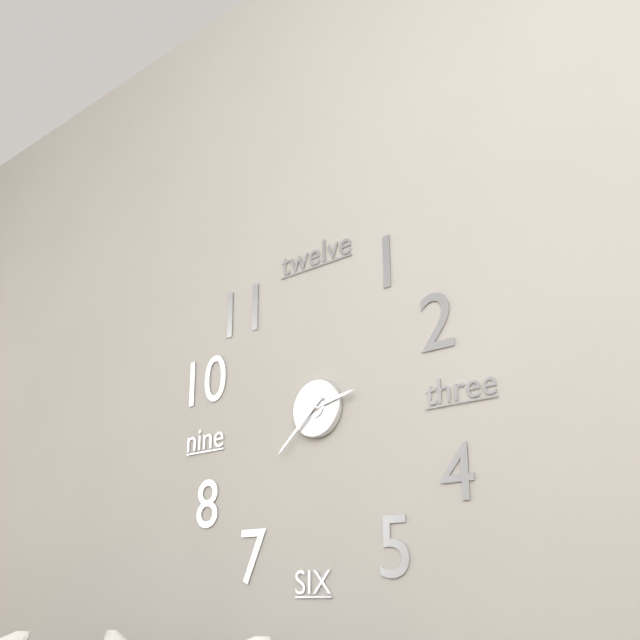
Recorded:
{"hour": 2, "minute": 38}
